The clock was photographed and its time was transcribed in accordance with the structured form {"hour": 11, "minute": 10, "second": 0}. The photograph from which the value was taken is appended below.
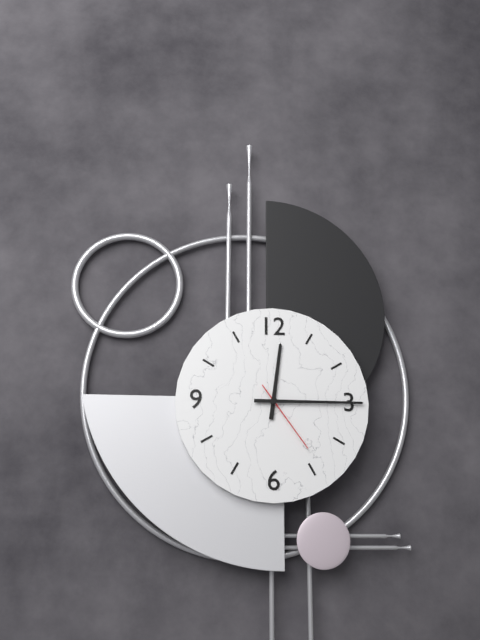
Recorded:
{"hour": 12, "minute": 15, "second": 24}
